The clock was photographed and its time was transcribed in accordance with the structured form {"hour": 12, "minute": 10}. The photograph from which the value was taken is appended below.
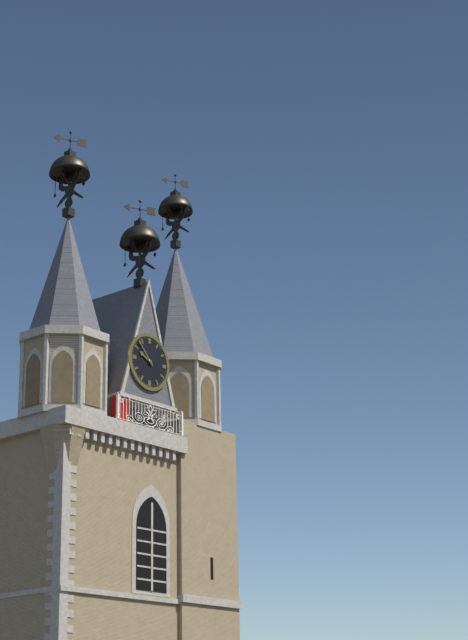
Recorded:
{"hour": 9, "minute": 53}
